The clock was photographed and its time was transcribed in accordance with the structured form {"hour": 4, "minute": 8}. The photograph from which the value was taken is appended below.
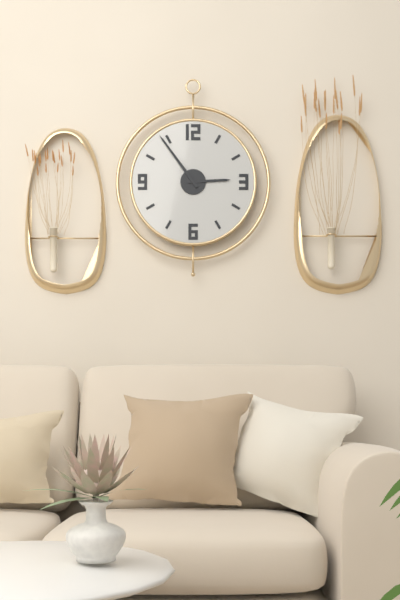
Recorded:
{"hour": 2, "minute": 54}
